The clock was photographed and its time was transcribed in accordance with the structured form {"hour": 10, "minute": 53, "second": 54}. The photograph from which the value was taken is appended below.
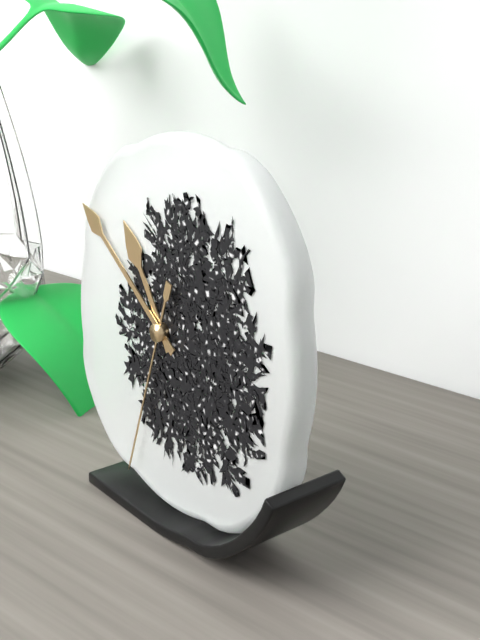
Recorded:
{"hour": 10, "minute": 51, "second": 33}
